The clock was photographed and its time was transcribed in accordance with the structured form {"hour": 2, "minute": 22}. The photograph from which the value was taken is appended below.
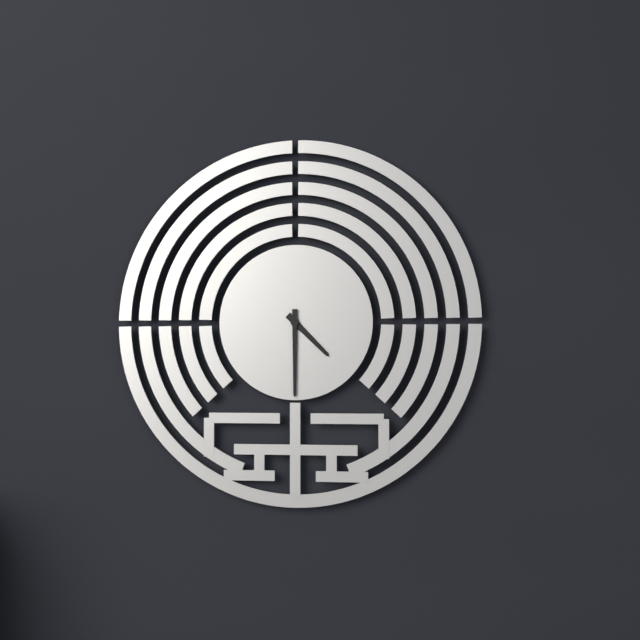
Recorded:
{"hour": 4, "minute": 30}
